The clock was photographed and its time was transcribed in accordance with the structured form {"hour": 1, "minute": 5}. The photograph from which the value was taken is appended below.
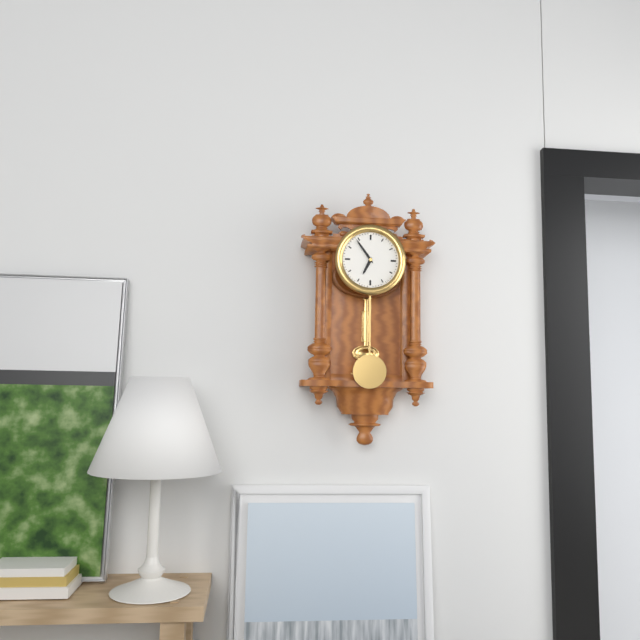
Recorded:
{"hour": 6, "minute": 54}
